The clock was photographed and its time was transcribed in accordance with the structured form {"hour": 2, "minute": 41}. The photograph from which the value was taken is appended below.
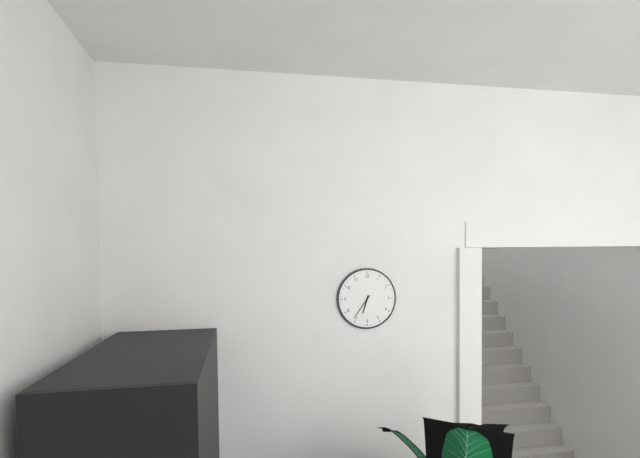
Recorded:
{"hour": 6, "minute": 36}
